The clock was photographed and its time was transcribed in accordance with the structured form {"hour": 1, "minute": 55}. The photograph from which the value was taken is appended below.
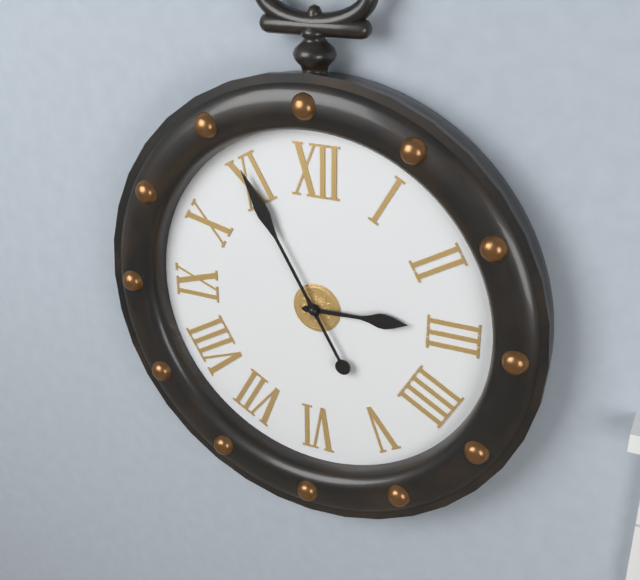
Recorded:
{"hour": 2, "minute": 55}
